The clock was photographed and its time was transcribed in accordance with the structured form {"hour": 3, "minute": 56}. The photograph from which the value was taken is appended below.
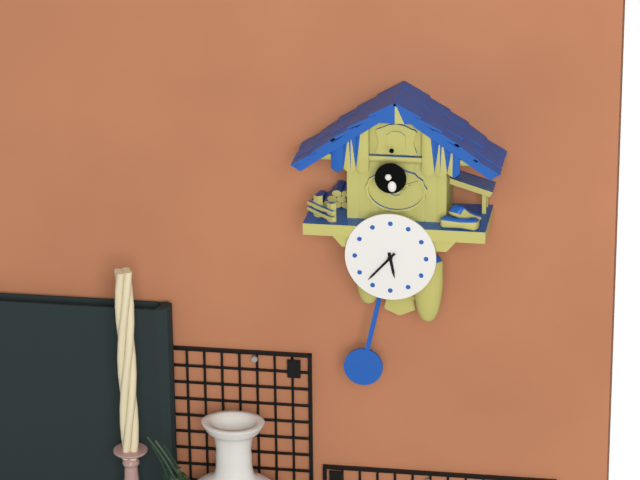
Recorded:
{"hour": 5, "minute": 37}
